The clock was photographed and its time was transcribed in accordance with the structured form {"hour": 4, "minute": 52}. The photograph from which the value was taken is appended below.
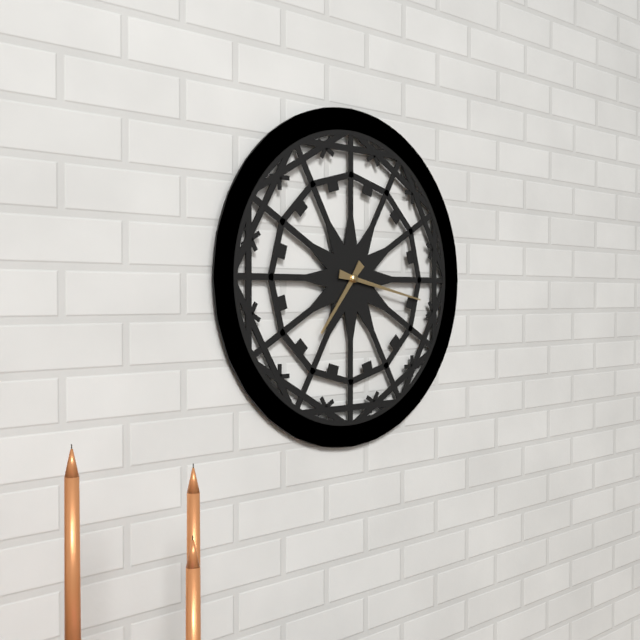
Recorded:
{"hour": 7, "minute": 17}
